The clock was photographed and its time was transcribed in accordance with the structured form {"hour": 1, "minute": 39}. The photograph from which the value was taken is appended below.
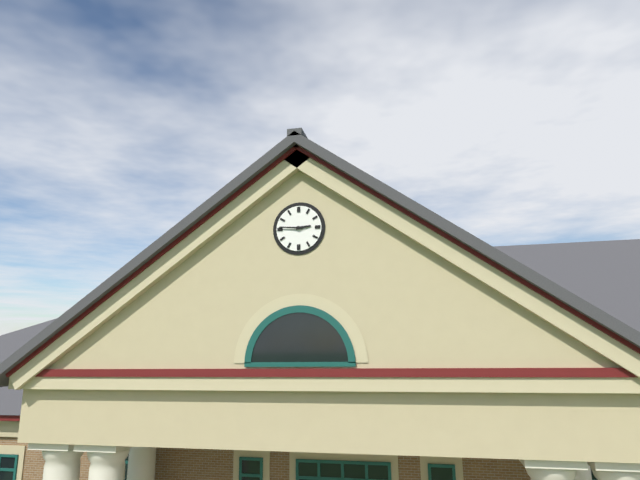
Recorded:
{"hour": 2, "minute": 46}
